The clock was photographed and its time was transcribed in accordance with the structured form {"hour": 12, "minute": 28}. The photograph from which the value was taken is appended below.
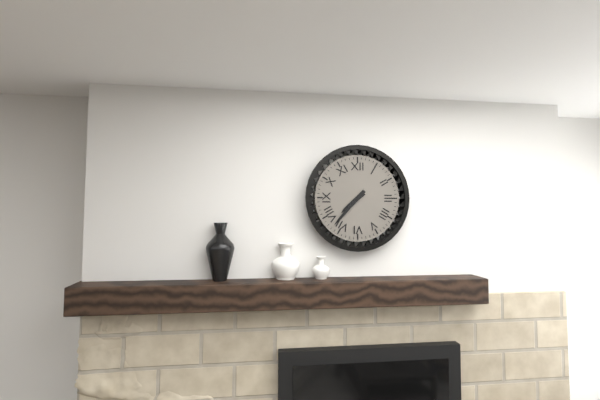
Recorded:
{"hour": 7, "minute": 37}
